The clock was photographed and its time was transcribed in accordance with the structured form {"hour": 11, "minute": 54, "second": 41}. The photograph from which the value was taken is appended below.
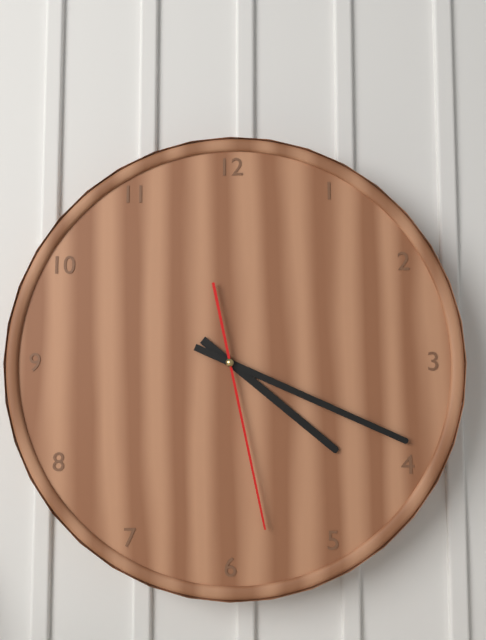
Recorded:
{"hour": 4, "minute": 19, "second": 28}
